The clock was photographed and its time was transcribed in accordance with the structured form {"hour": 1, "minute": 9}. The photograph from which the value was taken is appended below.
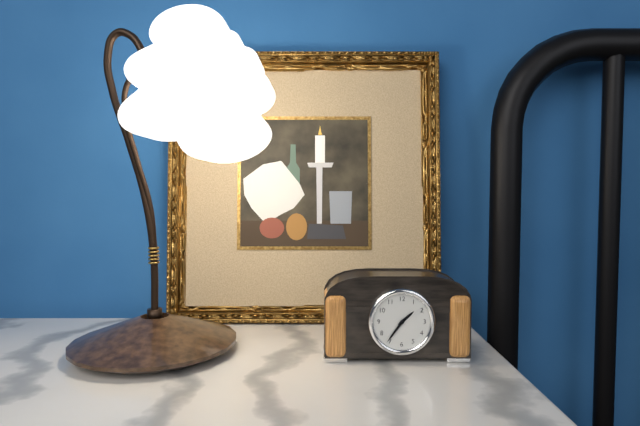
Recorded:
{"hour": 1, "minute": 36}
